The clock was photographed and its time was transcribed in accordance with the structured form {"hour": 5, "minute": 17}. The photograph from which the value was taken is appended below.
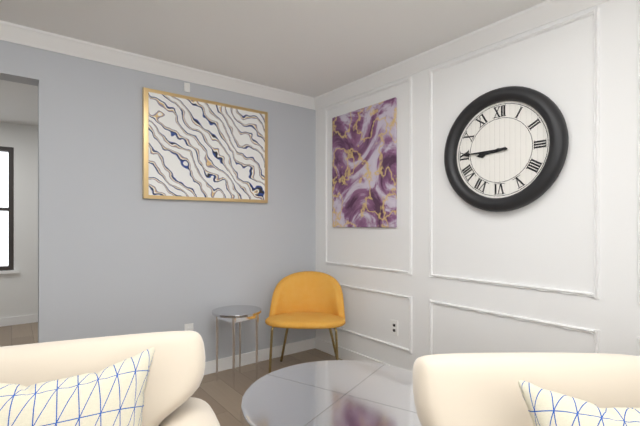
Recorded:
{"hour": 8, "minute": 45}
